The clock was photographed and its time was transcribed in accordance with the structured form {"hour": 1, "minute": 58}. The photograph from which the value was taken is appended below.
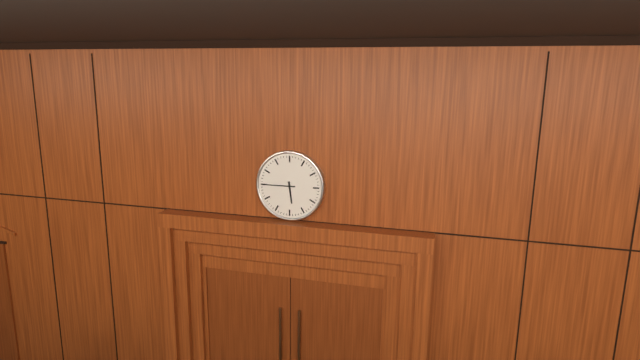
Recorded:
{"hour": 5, "minute": 45}
